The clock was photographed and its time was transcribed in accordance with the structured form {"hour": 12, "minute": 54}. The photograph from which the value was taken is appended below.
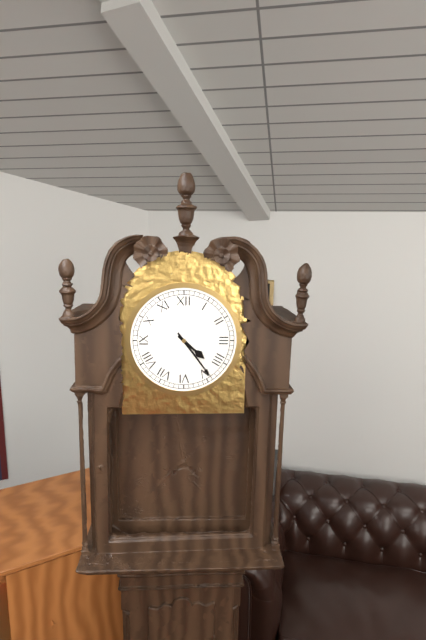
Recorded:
{"hour": 4, "minute": 24}
